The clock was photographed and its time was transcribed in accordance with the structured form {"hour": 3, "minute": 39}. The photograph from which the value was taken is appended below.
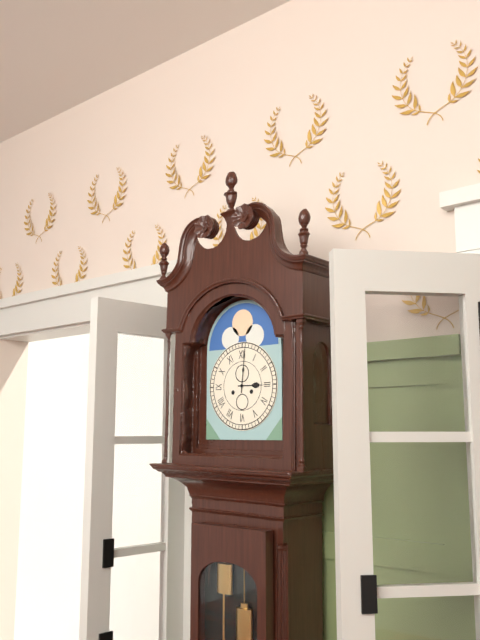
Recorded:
{"hour": 3, "minute": 1}
